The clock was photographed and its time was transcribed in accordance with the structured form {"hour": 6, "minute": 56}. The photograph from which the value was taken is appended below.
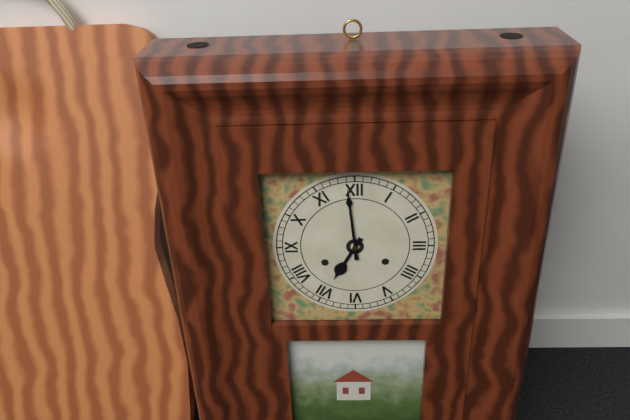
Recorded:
{"hour": 6, "minute": 59}
